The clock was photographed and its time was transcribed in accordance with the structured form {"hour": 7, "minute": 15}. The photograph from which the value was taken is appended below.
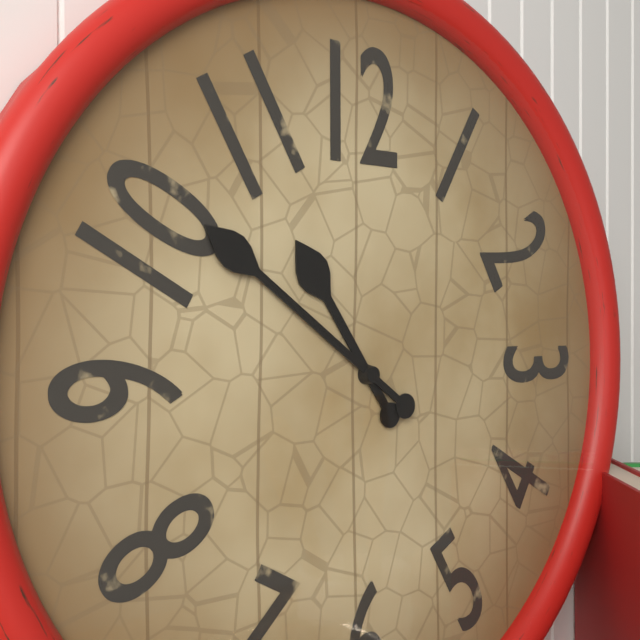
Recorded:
{"hour": 10, "minute": 51}
